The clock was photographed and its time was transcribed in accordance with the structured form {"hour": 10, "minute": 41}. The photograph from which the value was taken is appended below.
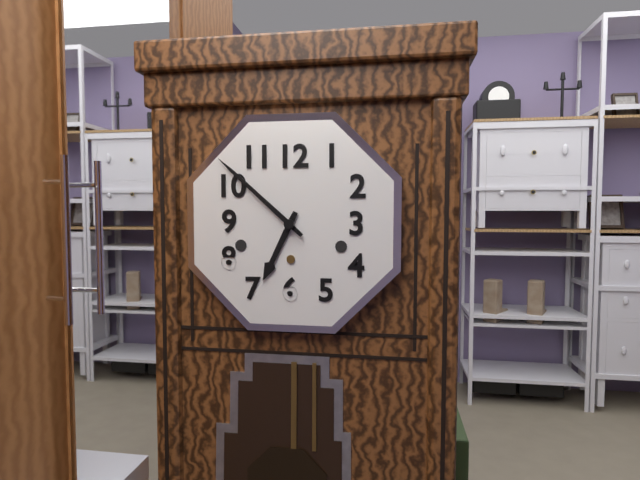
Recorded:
{"hour": 6, "minute": 52}
